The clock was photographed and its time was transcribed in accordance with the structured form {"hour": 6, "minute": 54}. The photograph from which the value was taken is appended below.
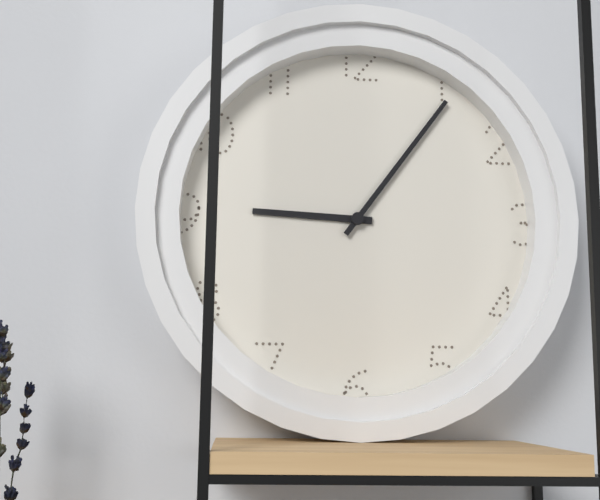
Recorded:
{"hour": 9, "minute": 6}
